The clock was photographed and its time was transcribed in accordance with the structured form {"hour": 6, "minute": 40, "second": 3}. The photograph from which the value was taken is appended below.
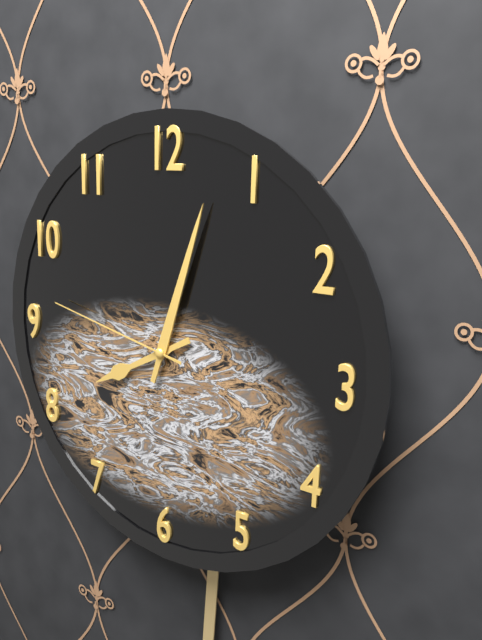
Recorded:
{"hour": 8, "minute": 3, "second": 47}
